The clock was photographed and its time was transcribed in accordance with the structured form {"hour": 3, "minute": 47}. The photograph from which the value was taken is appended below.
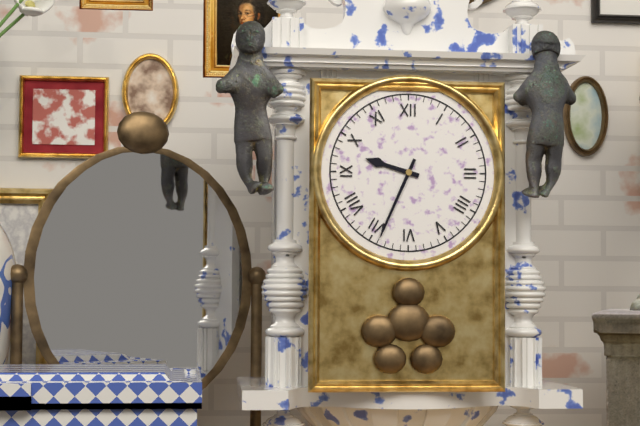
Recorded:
{"hour": 9, "minute": 34}
